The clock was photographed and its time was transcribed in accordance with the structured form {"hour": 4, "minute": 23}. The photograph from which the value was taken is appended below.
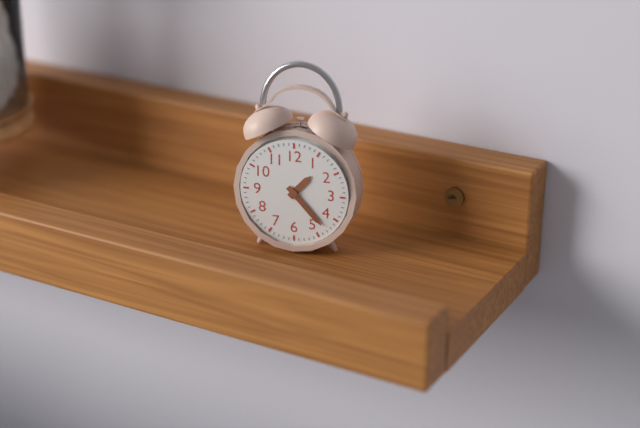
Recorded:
{"hour": 1, "minute": 23}
